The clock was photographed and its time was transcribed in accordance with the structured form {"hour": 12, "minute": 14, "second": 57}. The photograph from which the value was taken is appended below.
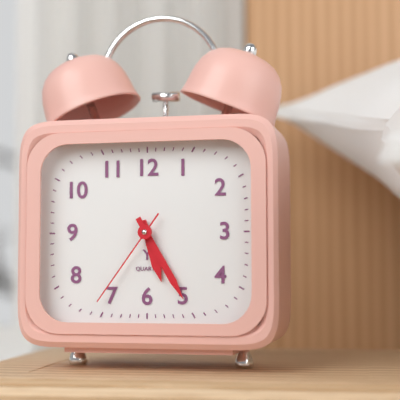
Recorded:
{"hour": 5, "minute": 25, "second": 36}
